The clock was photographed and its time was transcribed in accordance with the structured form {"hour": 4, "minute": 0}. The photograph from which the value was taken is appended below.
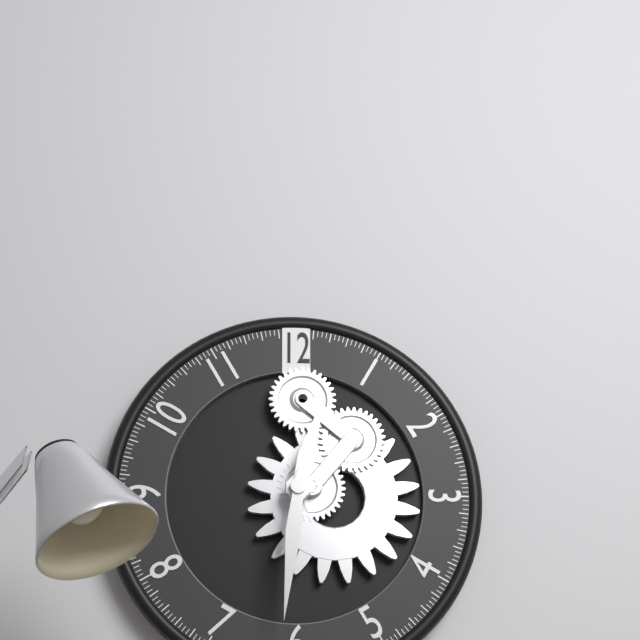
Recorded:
{"hour": 12, "minute": 31}
